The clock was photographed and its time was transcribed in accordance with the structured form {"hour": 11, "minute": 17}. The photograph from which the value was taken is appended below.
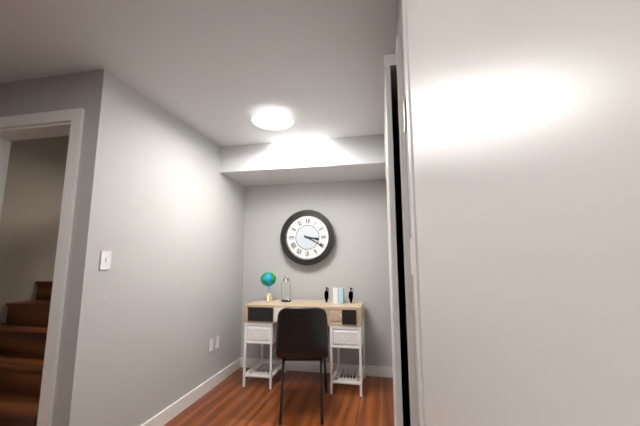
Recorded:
{"hour": 3, "minute": 20}
